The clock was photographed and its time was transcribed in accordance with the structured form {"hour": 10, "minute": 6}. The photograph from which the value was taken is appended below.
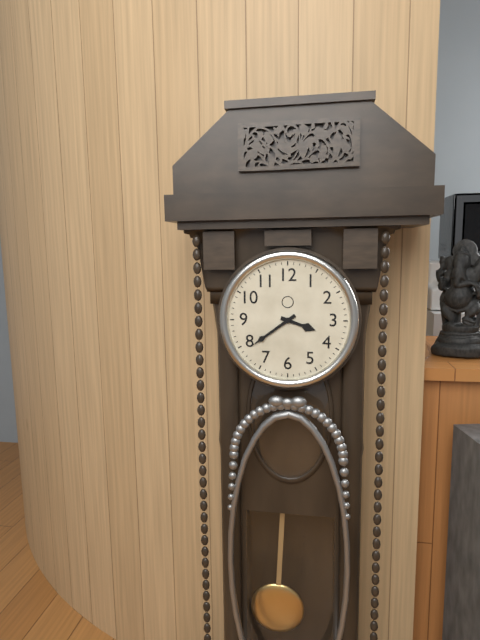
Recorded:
{"hour": 3, "minute": 39}
